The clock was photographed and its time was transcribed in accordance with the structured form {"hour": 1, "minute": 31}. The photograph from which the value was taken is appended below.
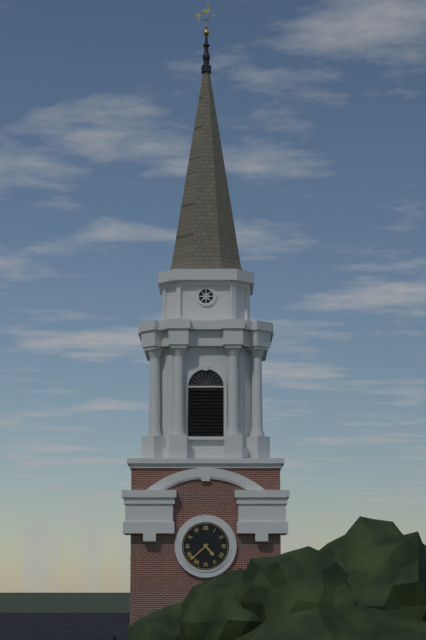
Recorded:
{"hour": 4, "minute": 38}
